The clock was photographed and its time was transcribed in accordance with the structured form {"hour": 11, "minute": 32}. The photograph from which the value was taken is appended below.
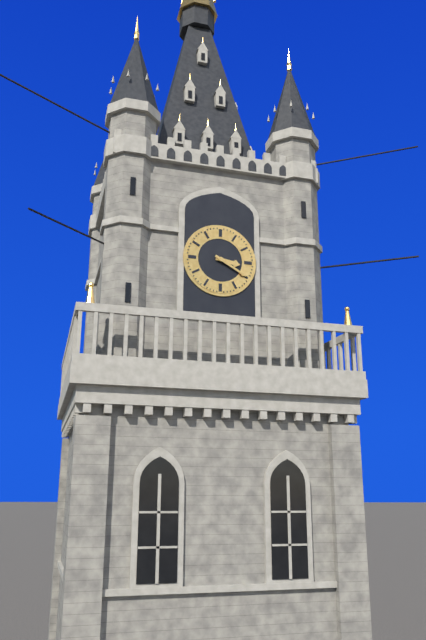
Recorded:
{"hour": 3, "minute": 20}
